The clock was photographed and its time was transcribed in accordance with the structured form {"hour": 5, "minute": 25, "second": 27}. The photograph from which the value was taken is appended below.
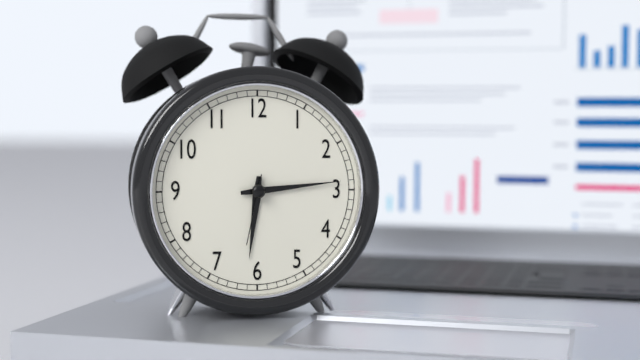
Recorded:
{"hour": 6, "minute": 14, "second": 32}
